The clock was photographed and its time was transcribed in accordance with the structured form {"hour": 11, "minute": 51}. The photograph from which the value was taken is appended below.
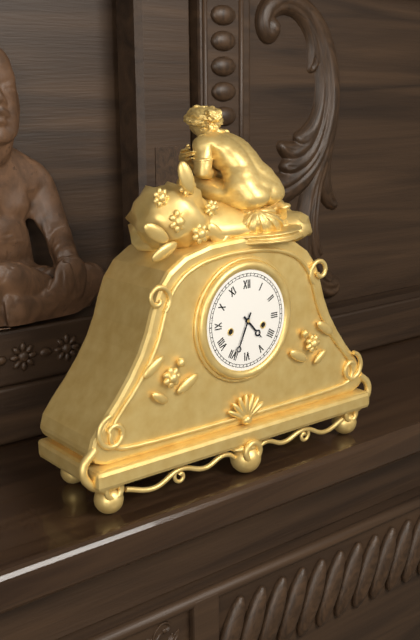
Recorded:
{"hour": 4, "minute": 34}
